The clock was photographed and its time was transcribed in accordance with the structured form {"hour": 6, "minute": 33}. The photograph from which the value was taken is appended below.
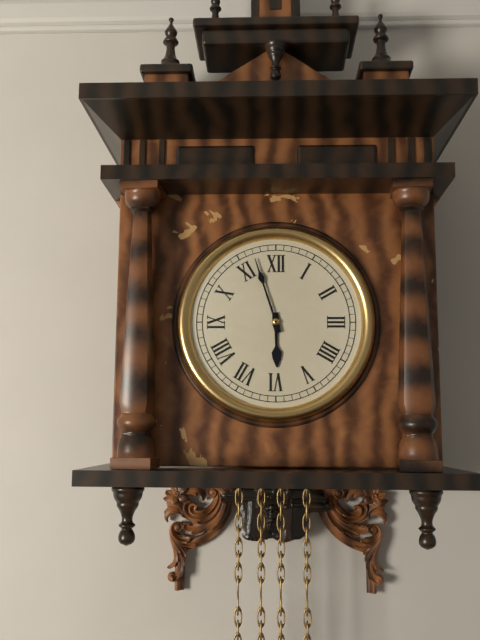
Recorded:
{"hour": 5, "minute": 57}
